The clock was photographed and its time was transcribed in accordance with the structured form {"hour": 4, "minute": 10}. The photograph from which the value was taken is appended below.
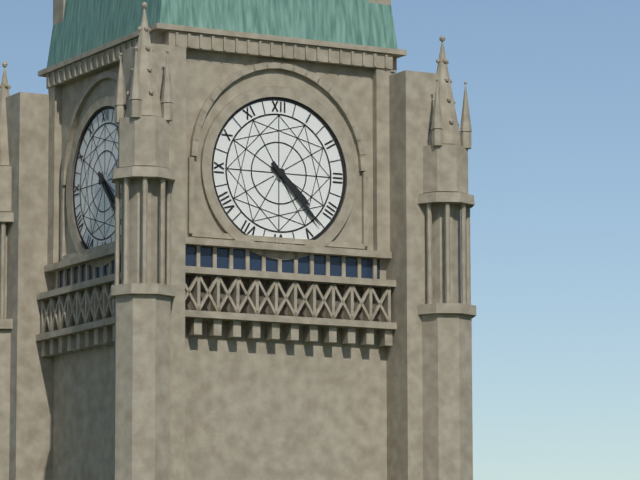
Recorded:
{"hour": 4, "minute": 23}
